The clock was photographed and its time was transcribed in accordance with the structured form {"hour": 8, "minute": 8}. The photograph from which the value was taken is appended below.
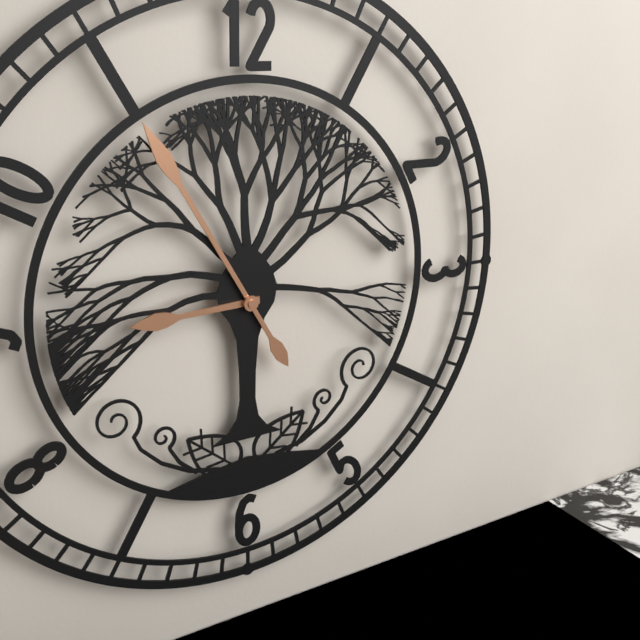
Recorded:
{"hour": 8, "minute": 55}
